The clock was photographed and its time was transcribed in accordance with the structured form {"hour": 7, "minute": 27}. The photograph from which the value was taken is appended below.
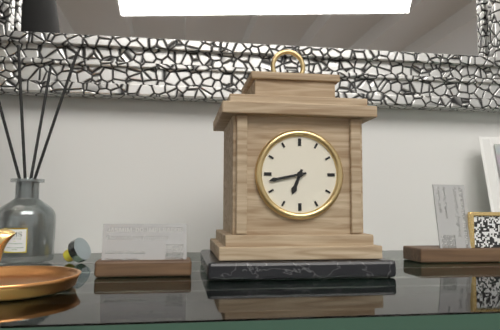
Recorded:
{"hour": 6, "minute": 43}
